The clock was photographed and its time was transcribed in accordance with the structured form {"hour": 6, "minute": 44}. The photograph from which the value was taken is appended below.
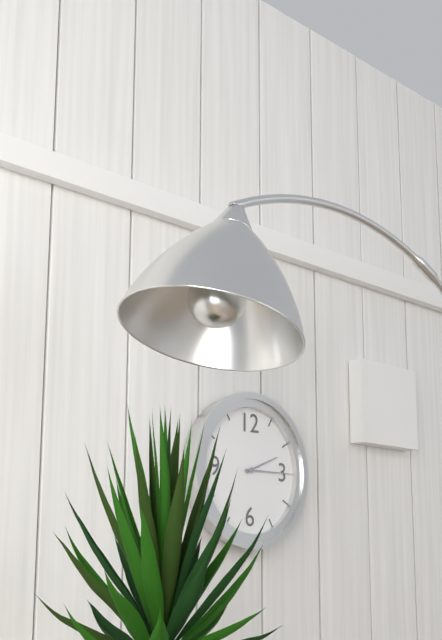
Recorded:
{"hour": 2, "minute": 15}
